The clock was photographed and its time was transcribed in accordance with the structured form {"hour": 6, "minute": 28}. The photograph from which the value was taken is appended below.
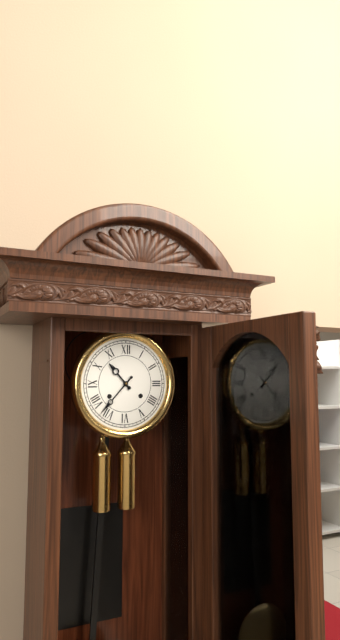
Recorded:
{"hour": 10, "minute": 37}
